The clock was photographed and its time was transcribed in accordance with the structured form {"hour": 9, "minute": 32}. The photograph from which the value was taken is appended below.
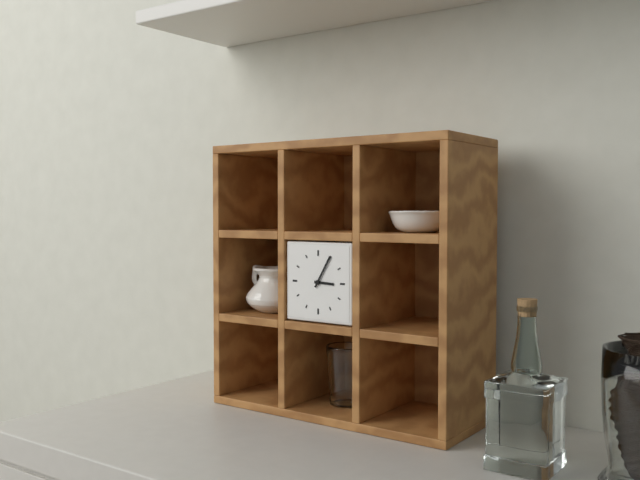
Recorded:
{"hour": 3, "minute": 5}
